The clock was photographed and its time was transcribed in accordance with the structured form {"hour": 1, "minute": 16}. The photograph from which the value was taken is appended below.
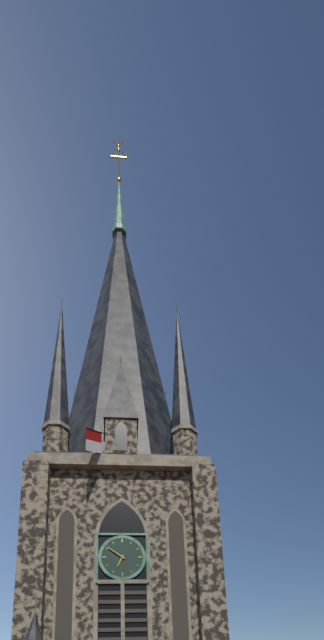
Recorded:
{"hour": 6, "minute": 51}
